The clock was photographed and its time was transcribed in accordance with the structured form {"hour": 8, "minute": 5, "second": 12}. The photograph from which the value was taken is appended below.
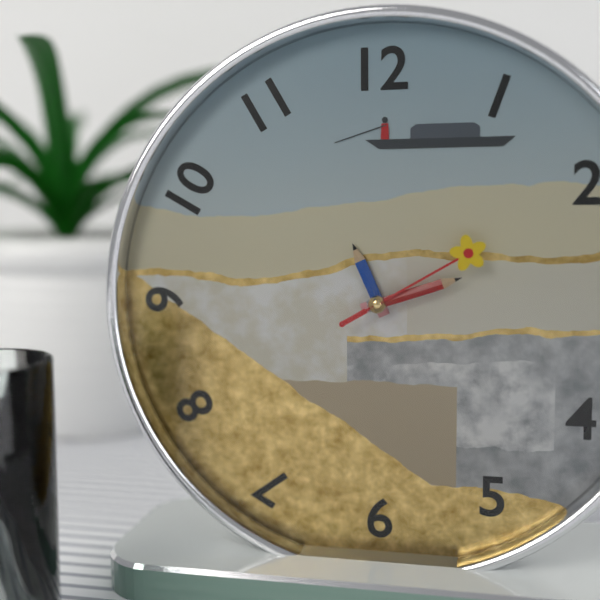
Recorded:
{"hour": 11, "minute": 12, "second": 10}
